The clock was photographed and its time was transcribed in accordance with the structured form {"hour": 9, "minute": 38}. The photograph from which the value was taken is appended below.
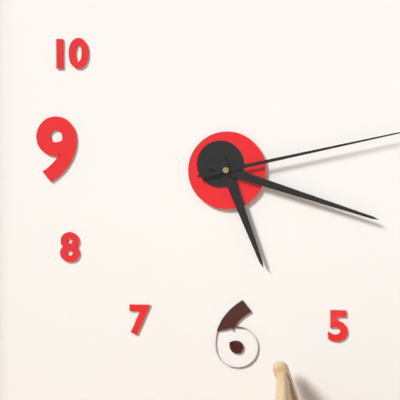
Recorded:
{"hour": 5, "minute": 18}
